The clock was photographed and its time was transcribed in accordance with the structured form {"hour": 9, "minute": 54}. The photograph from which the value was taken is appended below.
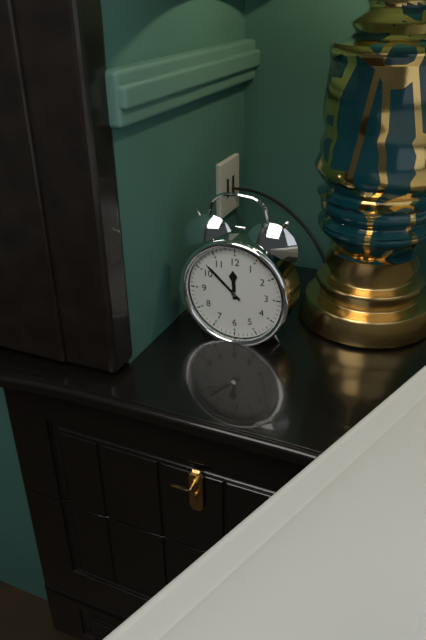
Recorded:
{"hour": 11, "minute": 52}
